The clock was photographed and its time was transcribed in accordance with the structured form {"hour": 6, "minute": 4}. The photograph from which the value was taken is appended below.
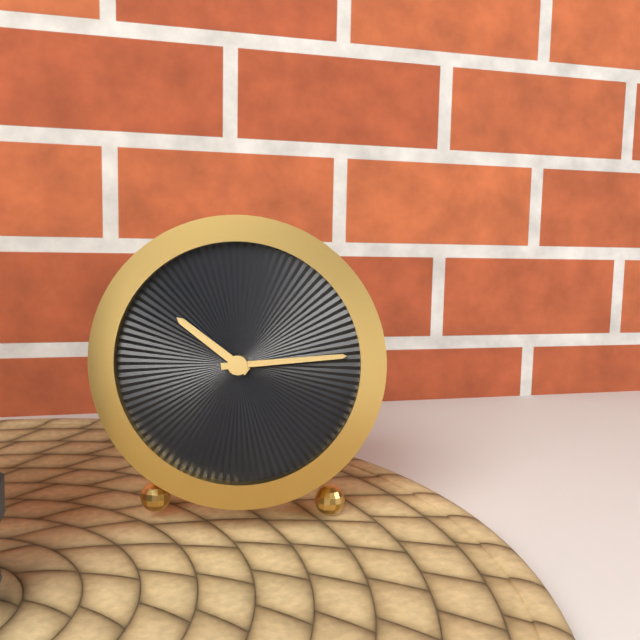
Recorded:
{"hour": 10, "minute": 14}
